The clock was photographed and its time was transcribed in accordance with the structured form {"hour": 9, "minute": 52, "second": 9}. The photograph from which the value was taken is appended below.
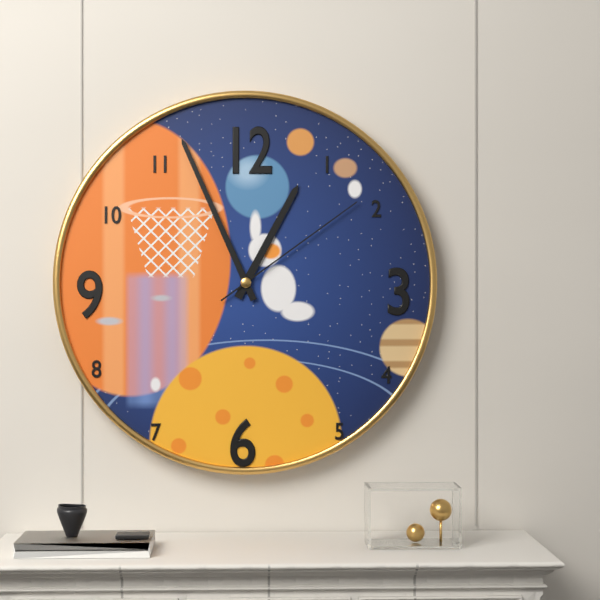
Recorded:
{"hour": 12, "minute": 56, "second": 9}
